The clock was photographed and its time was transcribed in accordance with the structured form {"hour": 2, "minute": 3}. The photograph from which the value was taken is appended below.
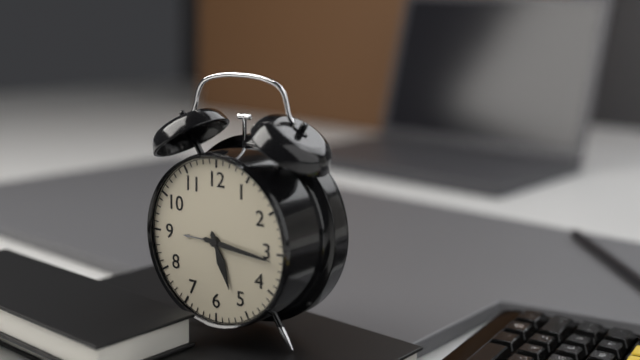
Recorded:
{"hour": 5, "minute": 16}
